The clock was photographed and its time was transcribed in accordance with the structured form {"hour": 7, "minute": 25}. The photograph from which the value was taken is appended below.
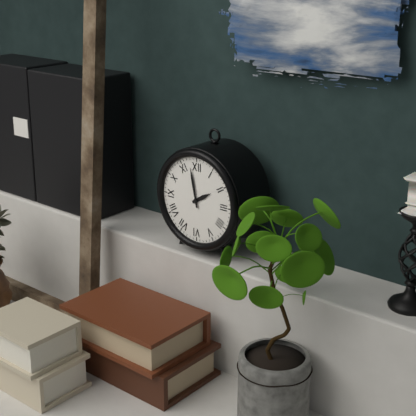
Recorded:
{"hour": 1, "minute": 58}
